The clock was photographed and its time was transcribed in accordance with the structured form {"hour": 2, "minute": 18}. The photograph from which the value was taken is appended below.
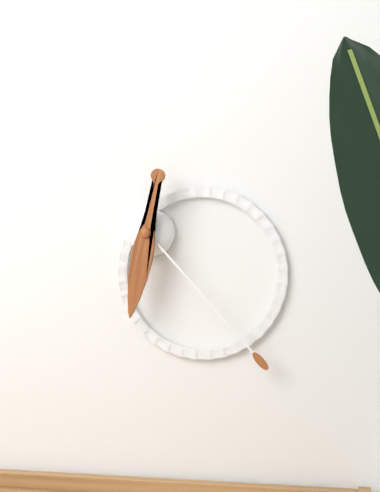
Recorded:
{"hour": 6, "minute": 23}
